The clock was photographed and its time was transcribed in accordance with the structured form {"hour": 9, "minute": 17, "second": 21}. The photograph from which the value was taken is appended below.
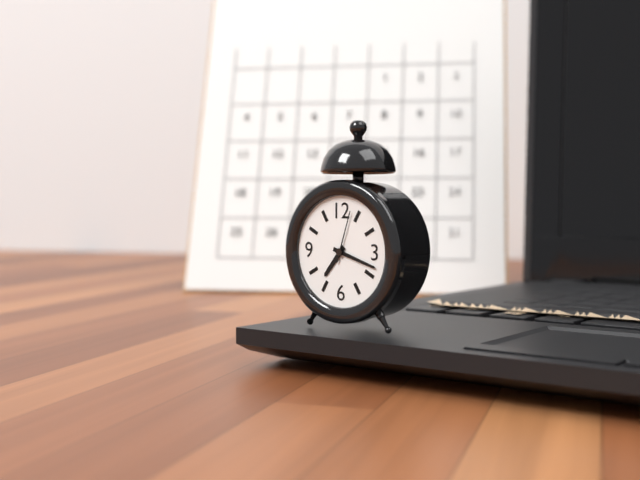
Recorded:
{"hour": 7, "minute": 18, "second": 3}
